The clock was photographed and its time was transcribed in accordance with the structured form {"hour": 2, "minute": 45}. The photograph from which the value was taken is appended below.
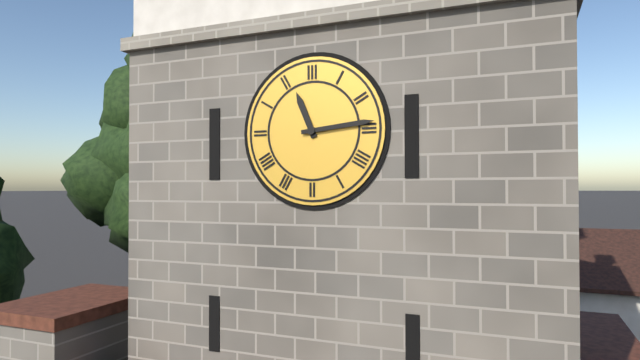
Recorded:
{"hour": 11, "minute": 14}
